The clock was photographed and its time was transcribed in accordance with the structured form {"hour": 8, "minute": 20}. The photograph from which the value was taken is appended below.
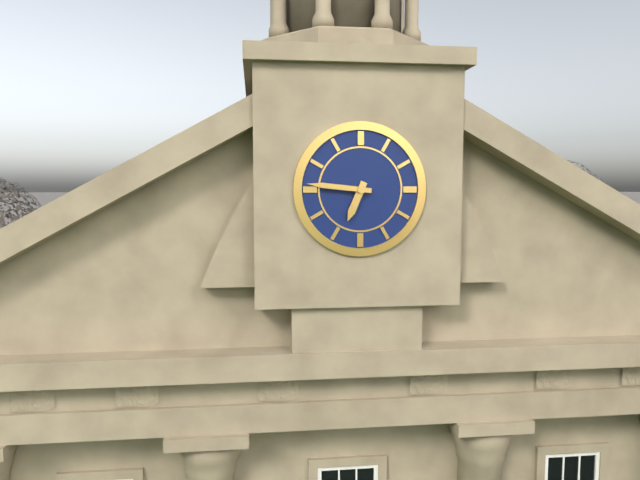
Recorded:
{"hour": 6, "minute": 46}
